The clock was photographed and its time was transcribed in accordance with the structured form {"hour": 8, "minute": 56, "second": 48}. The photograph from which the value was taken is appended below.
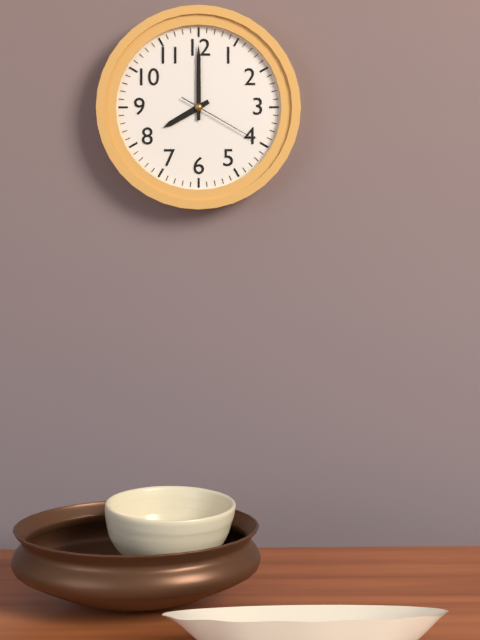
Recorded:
{"hour": 8, "minute": 0, "second": 20}
